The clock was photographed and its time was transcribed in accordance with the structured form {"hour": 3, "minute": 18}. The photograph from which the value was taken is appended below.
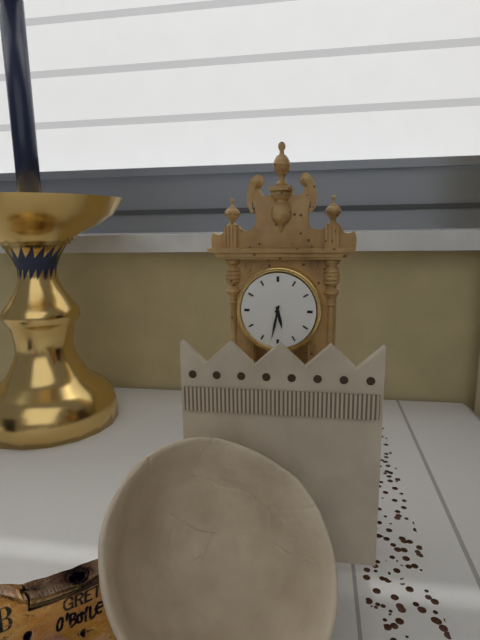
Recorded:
{"hour": 5, "minute": 32}
